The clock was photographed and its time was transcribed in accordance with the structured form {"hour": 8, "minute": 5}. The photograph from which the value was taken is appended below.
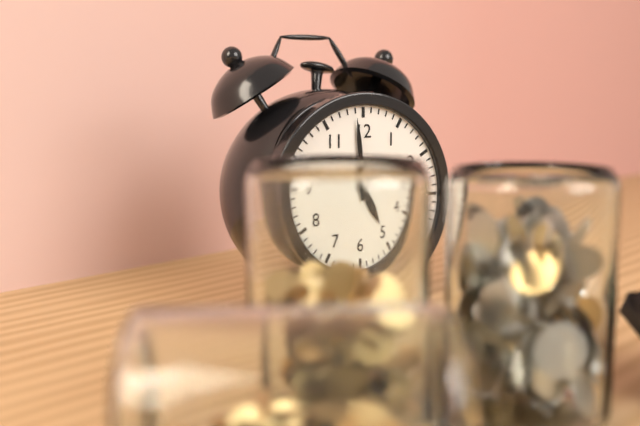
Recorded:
{"hour": 4, "minute": 59}
